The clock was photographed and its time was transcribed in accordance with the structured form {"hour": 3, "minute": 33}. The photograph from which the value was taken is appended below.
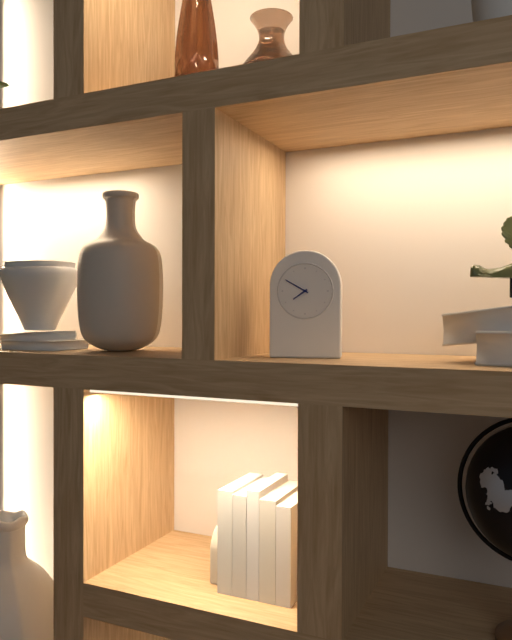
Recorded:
{"hour": 7, "minute": 50}
